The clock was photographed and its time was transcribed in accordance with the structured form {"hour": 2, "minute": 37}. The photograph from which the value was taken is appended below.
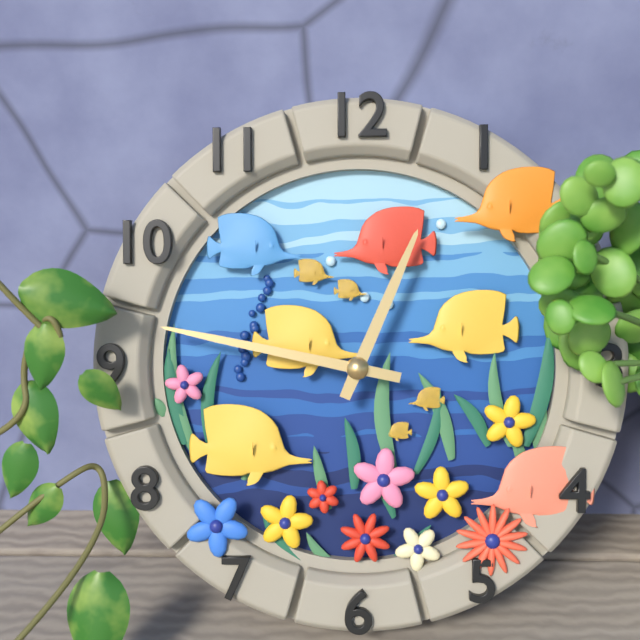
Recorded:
{"hour": 12, "minute": 47}
